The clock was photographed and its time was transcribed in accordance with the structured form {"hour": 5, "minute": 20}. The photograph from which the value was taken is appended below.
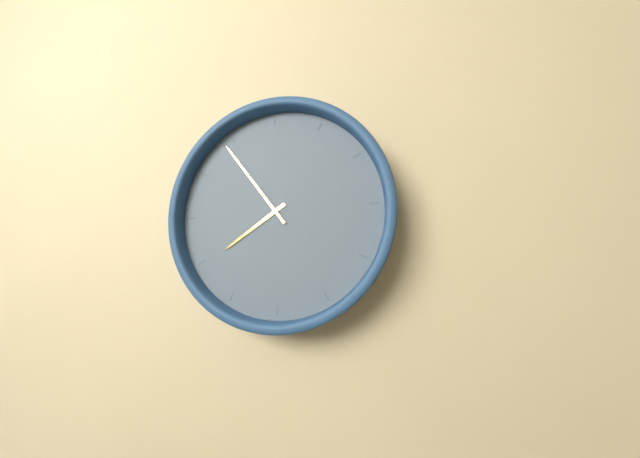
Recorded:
{"hour": 7, "minute": 54}
